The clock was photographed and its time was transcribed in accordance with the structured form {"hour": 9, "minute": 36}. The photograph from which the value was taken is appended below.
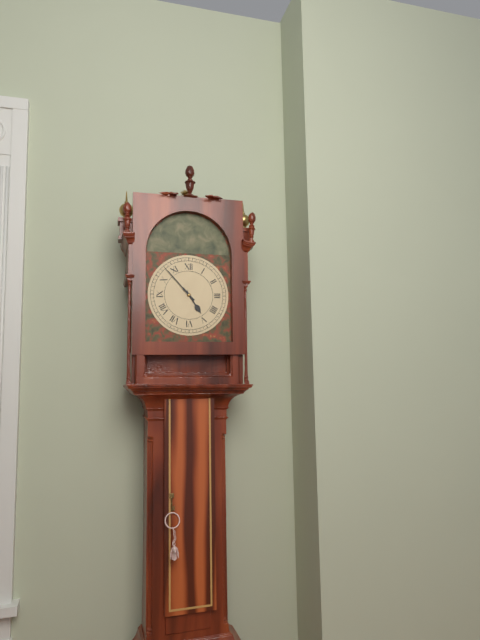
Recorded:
{"hour": 4, "minute": 53}
